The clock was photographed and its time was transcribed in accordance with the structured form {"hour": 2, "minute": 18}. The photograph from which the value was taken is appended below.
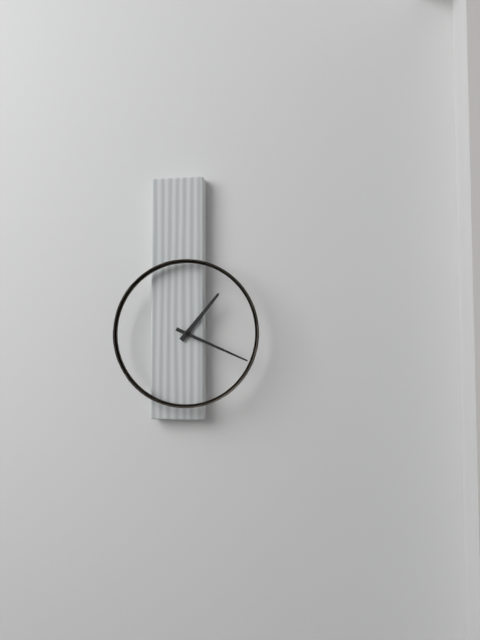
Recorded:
{"hour": 1, "minute": 19}
